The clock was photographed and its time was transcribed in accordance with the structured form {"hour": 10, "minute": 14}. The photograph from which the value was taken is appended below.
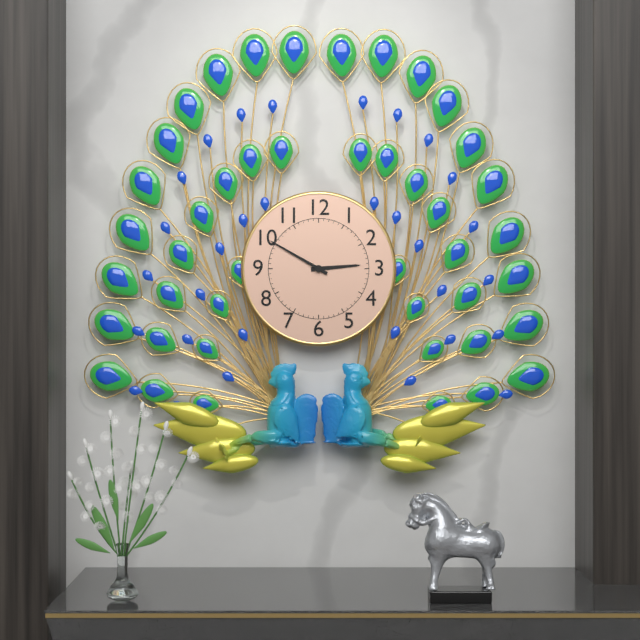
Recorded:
{"hour": 2, "minute": 50}
